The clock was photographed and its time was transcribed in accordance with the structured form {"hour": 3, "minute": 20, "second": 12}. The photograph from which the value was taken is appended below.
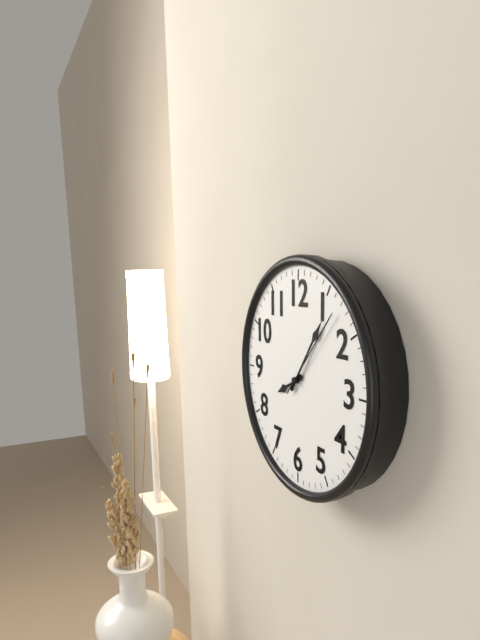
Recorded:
{"hour": 8, "minute": 6, "second": 7}
